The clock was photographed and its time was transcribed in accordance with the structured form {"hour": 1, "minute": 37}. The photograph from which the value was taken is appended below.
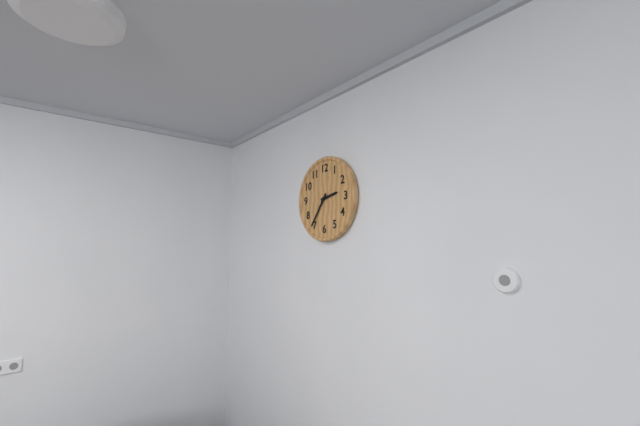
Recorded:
{"hour": 2, "minute": 36}
